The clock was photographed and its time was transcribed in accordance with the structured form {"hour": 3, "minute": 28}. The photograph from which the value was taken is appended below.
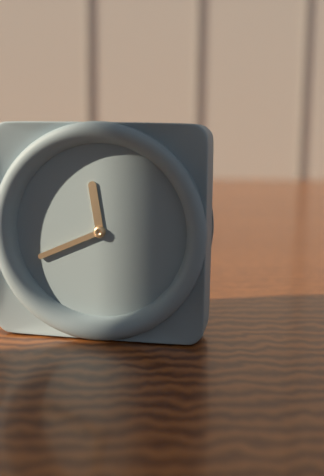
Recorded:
{"hour": 11, "minute": 41}
